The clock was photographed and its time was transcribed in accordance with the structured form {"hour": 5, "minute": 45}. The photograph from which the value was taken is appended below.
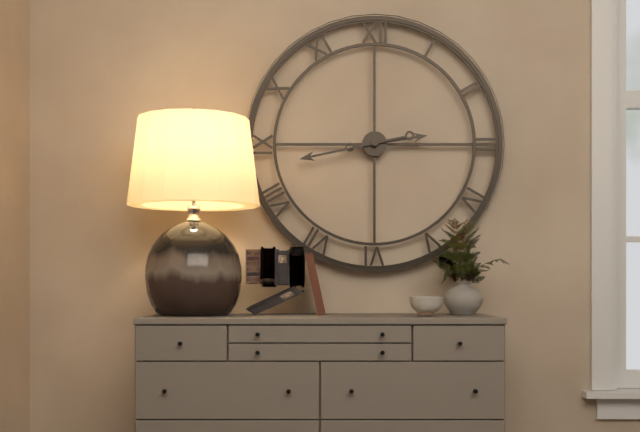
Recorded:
{"hour": 2, "minute": 43}
